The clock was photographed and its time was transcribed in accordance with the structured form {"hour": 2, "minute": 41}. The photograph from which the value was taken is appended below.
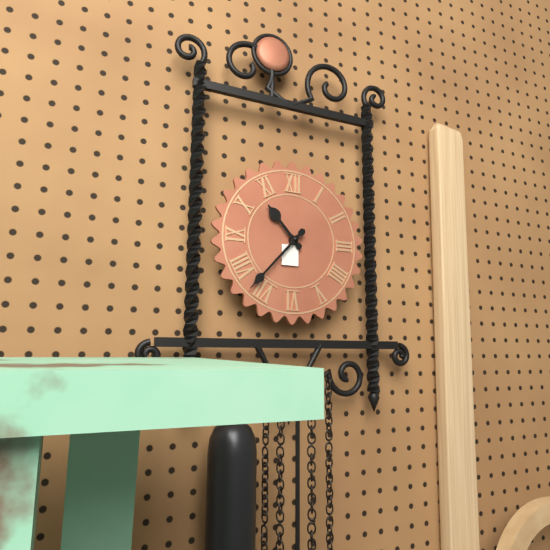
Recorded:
{"hour": 10, "minute": 37}
